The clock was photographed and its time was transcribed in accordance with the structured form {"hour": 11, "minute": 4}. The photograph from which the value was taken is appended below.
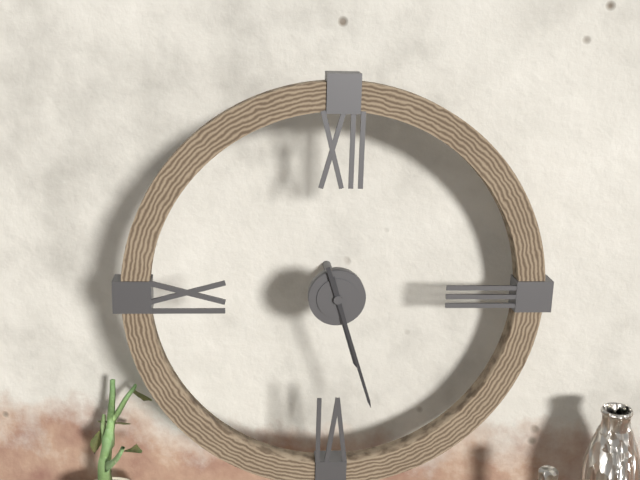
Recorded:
{"hour": 5, "minute": 27}
